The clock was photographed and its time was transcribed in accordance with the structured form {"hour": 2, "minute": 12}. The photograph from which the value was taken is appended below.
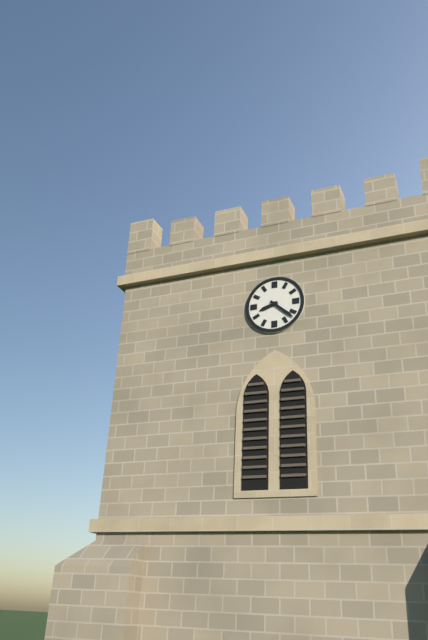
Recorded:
{"hour": 8, "minute": 22}
